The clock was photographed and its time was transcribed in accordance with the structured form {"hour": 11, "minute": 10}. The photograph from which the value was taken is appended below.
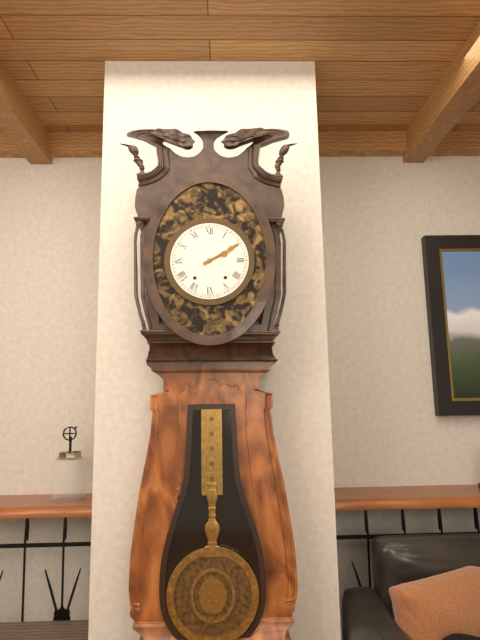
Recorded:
{"hour": 2, "minute": 10}
